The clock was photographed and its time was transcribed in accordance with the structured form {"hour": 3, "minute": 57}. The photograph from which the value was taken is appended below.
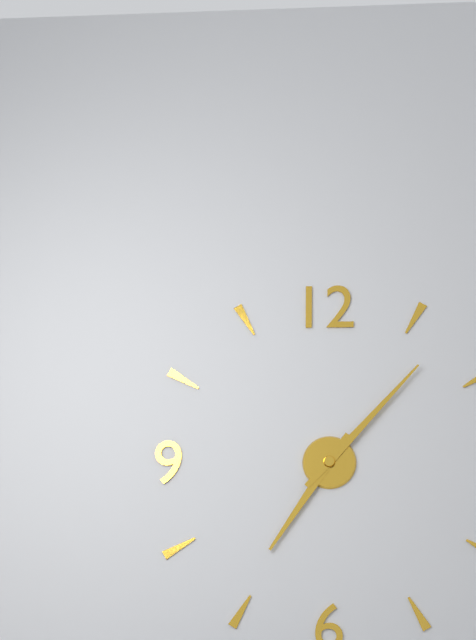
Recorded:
{"hour": 7, "minute": 7}
